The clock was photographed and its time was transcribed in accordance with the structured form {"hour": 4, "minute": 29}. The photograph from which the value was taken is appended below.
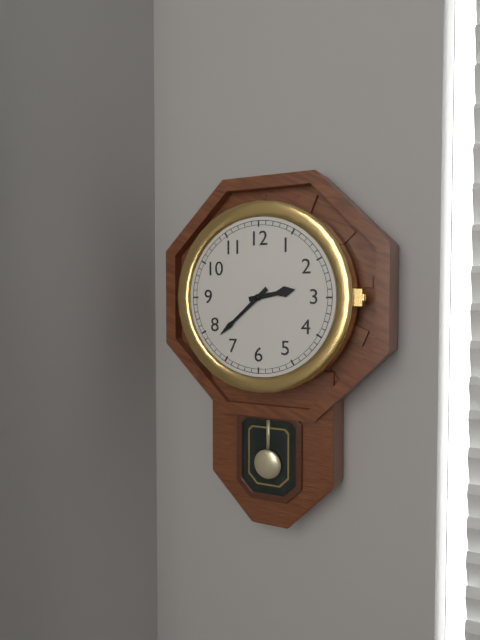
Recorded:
{"hour": 2, "minute": 38}
